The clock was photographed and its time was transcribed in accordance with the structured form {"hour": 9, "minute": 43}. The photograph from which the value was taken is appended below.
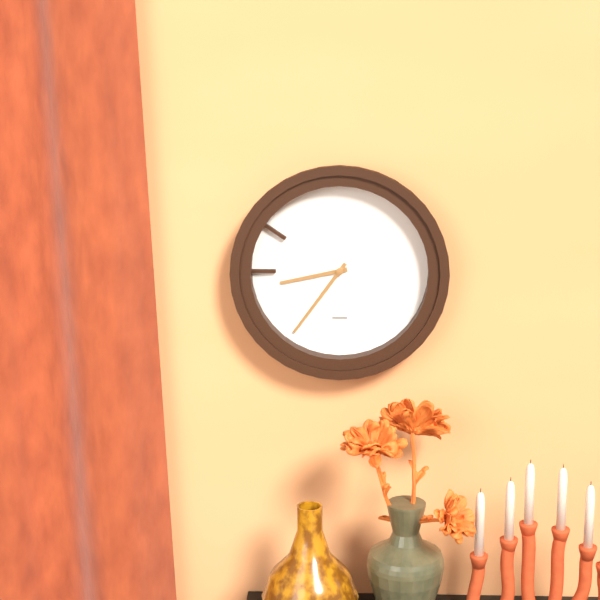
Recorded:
{"hour": 8, "minute": 36}
